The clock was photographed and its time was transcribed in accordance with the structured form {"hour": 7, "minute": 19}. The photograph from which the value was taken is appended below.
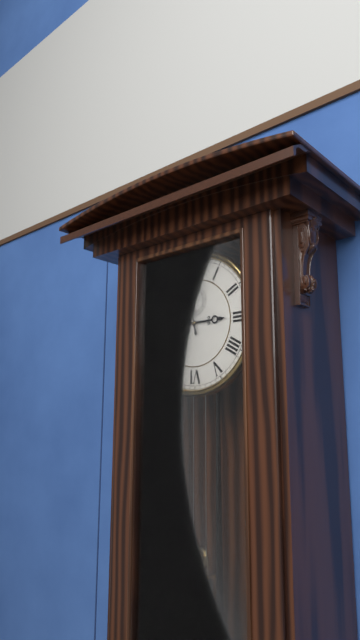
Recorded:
{"hour": 2, "minute": 58}
